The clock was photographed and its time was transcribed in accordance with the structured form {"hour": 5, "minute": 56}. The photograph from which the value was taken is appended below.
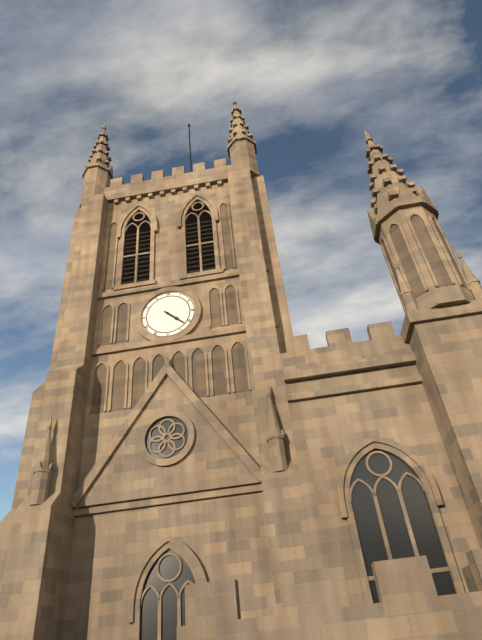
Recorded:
{"hour": 4, "minute": 22}
